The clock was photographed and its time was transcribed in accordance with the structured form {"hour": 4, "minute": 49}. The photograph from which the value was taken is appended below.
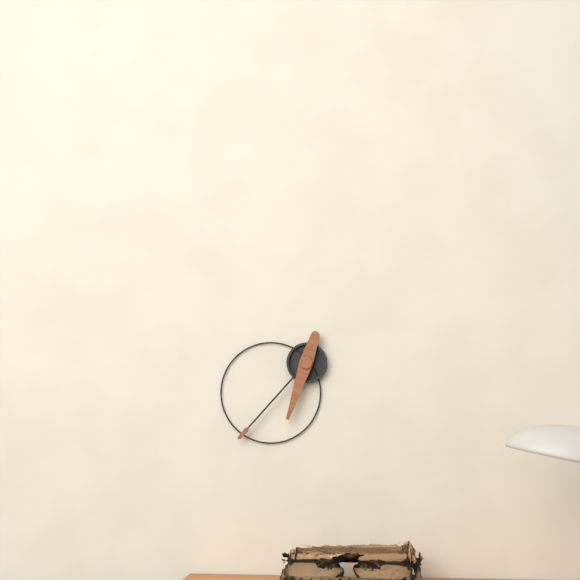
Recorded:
{"hour": 6, "minute": 37}
